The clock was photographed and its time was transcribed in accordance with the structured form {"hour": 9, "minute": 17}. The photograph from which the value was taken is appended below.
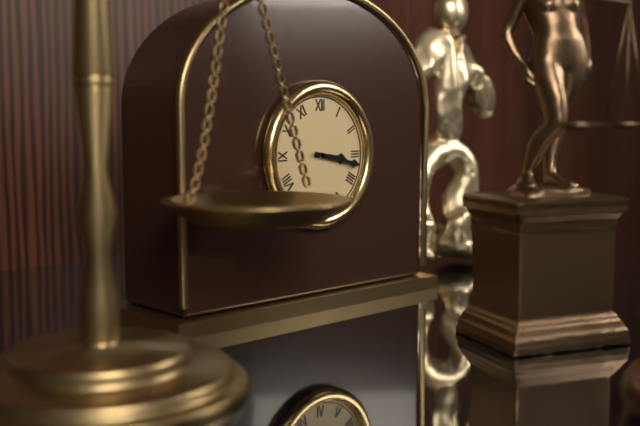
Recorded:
{"hour": 3, "minute": 17}
